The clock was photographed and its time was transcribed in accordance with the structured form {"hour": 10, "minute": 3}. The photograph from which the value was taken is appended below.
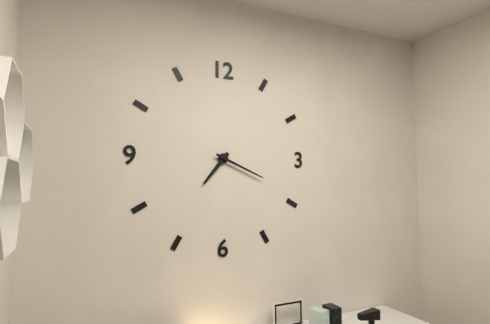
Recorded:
{"hour": 7, "minute": 19}
